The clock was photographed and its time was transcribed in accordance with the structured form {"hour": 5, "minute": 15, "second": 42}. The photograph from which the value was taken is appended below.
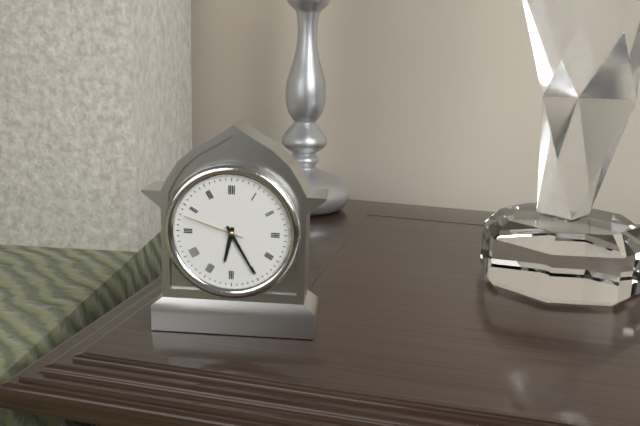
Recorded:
{"hour": 6, "minute": 25, "second": 48}
